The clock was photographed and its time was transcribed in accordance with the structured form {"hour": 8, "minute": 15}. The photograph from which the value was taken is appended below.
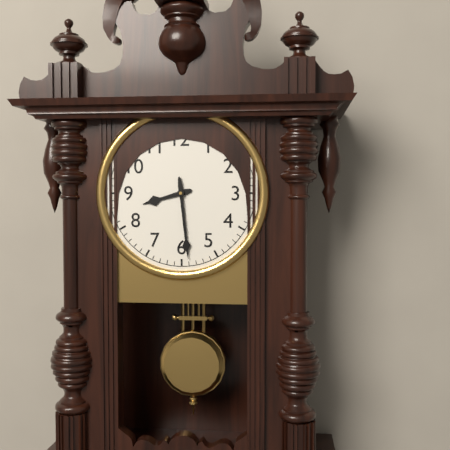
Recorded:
{"hour": 8, "minute": 29}
